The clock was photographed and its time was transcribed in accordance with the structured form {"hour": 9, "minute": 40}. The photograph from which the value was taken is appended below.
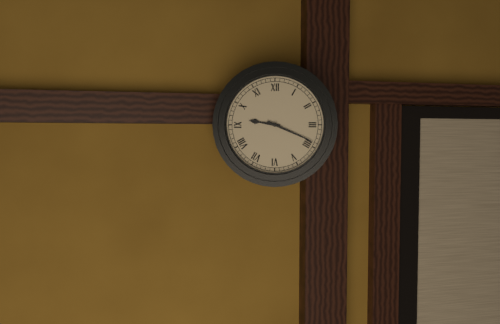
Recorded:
{"hour": 9, "minute": 19}
